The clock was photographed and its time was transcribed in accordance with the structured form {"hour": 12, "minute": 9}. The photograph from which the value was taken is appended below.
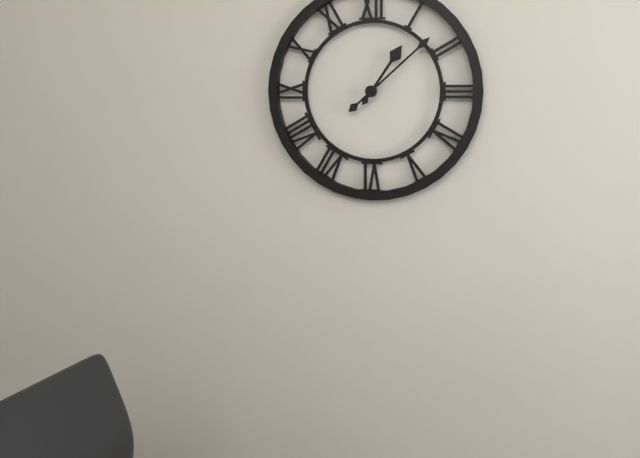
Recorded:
{"hour": 1, "minute": 8}
